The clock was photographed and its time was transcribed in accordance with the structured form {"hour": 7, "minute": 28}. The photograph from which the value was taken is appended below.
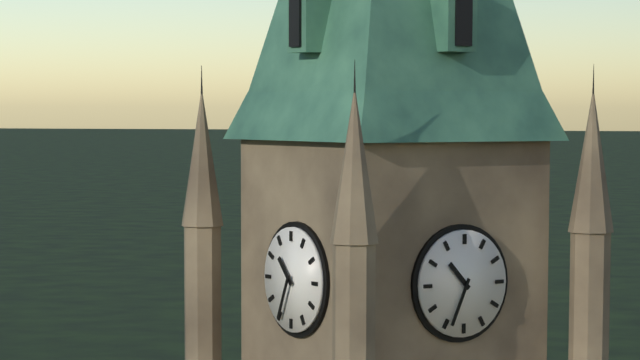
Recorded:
{"hour": 10, "minute": 34}
